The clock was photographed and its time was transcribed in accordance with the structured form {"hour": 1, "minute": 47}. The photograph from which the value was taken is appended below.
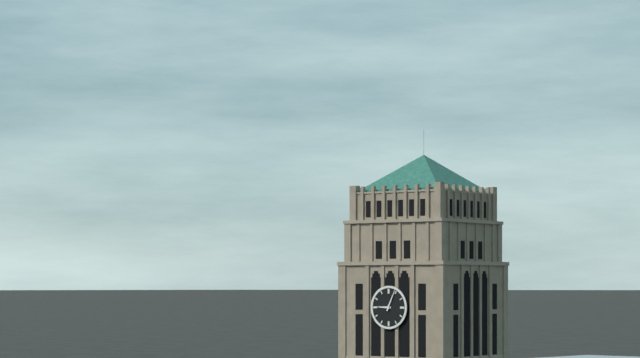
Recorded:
{"hour": 9, "minute": 4}
